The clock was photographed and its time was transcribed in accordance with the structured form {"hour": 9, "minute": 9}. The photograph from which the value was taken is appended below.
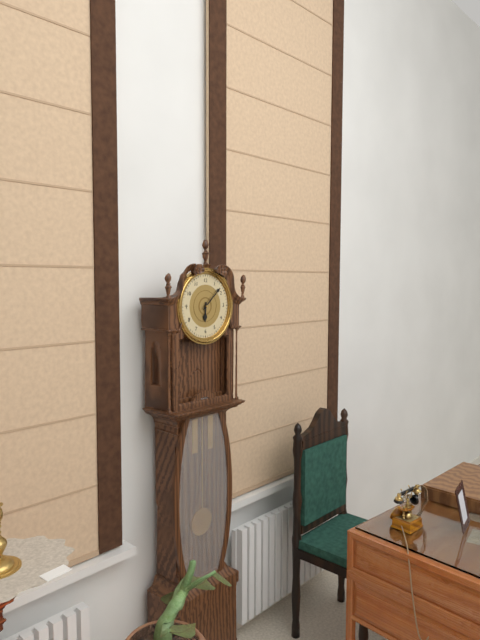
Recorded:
{"hour": 6, "minute": 8}
